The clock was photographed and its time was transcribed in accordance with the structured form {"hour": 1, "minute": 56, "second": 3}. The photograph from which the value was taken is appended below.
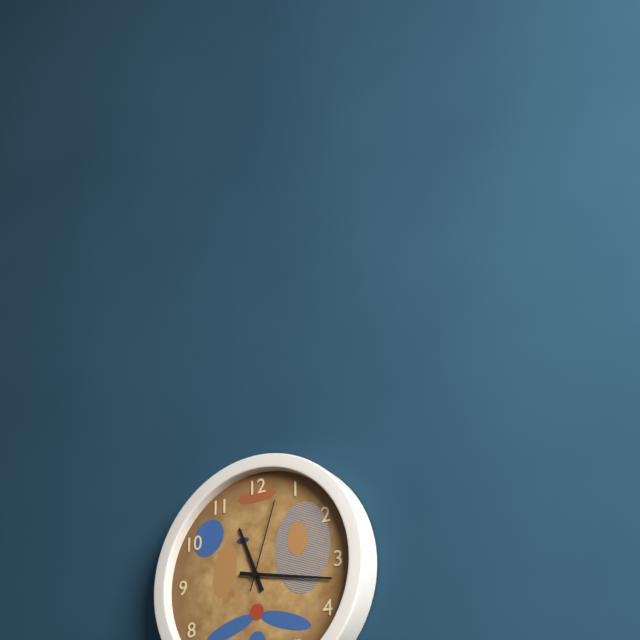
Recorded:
{"hour": 11, "minute": 17, "second": 3}
